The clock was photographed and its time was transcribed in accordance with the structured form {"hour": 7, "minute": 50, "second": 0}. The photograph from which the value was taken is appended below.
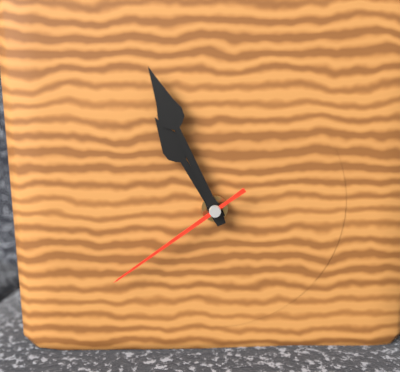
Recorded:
{"hour": 10, "minute": 56, "second": 39}
